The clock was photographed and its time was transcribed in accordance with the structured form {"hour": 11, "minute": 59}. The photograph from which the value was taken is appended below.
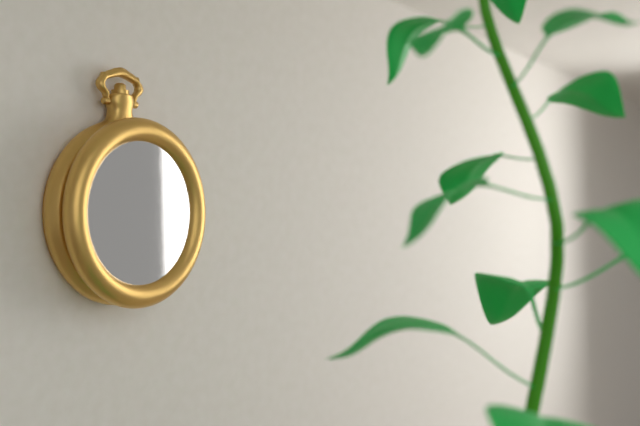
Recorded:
{"hour": 5, "minute": 53}
